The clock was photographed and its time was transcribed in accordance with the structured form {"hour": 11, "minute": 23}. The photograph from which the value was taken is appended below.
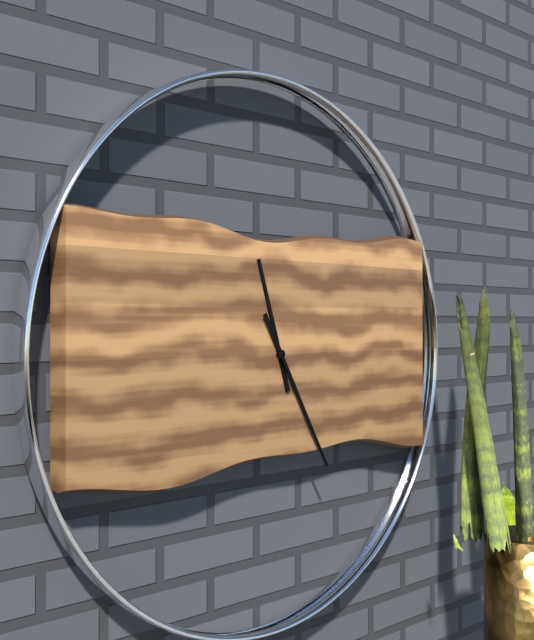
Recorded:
{"hour": 11, "minute": 25}
